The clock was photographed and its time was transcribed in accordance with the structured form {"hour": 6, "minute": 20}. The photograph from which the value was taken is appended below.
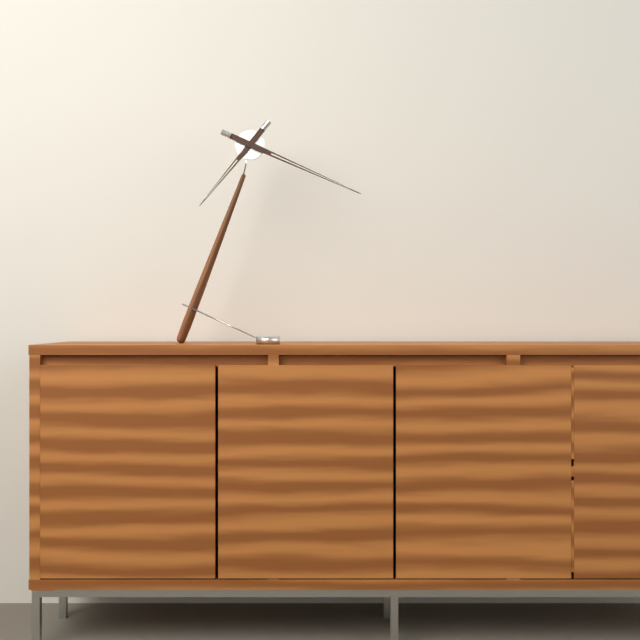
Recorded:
{"hour": 7, "minute": 19}
